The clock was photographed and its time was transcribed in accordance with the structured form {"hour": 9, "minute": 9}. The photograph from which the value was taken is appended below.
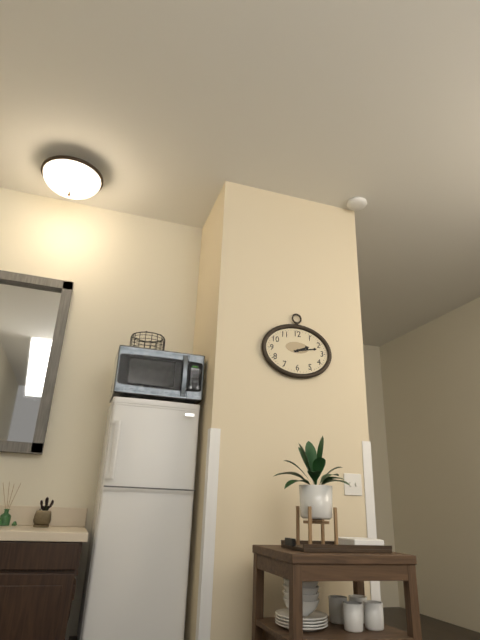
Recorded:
{"hour": 2, "minute": 13}
